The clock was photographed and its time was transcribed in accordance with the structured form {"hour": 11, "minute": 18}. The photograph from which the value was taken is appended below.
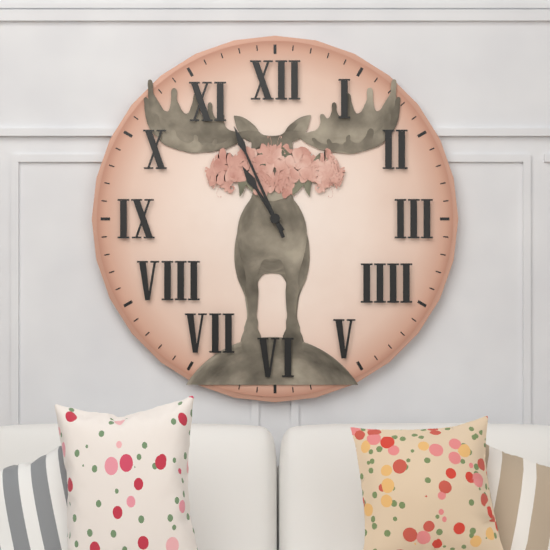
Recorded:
{"hour": 10, "minute": 56}
